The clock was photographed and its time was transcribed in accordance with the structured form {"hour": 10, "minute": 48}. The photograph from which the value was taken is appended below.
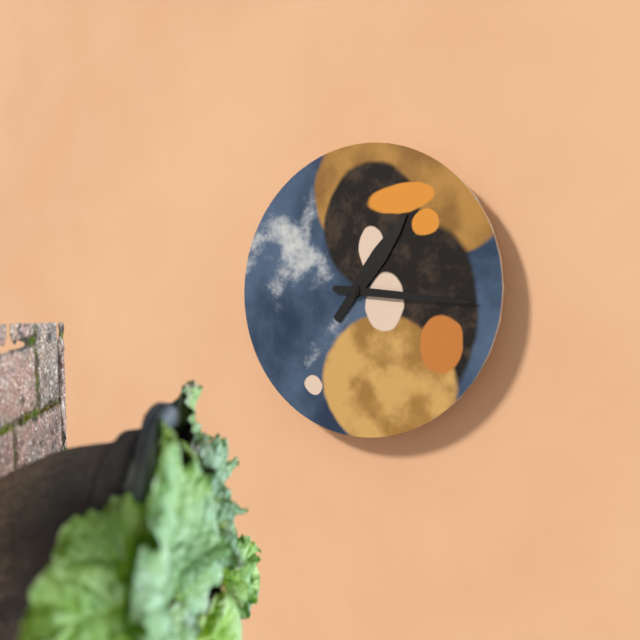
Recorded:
{"hour": 1, "minute": 16}
